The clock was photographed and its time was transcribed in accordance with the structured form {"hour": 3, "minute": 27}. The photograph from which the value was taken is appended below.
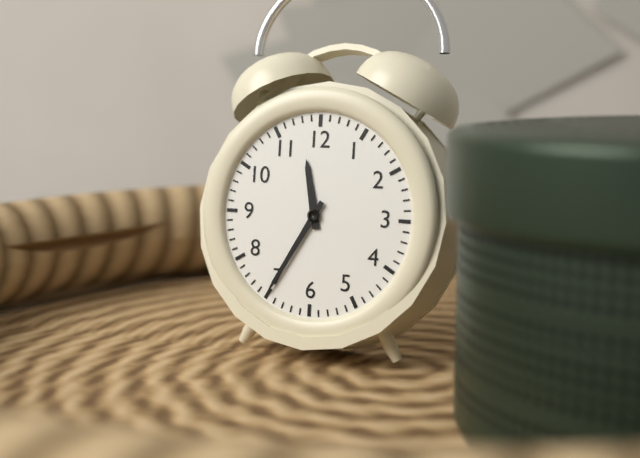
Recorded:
{"hour": 11, "minute": 35}
